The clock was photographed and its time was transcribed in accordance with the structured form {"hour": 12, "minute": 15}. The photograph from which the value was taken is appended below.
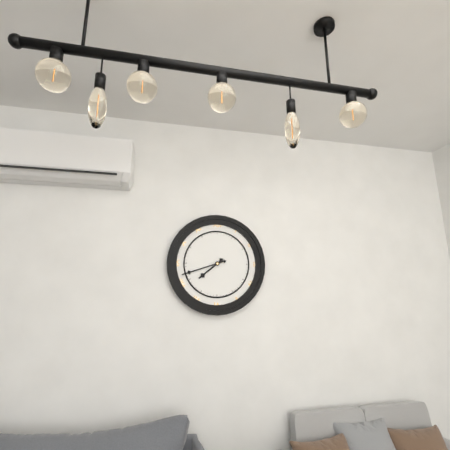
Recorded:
{"hour": 7, "minute": 42}
